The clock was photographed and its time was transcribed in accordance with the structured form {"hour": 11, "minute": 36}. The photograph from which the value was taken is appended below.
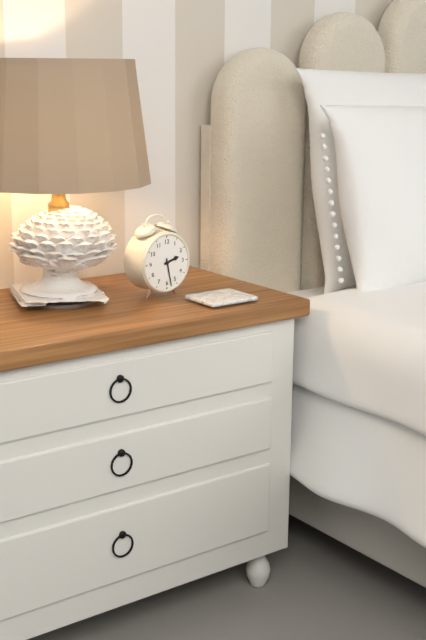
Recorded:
{"hour": 2, "minute": 28}
